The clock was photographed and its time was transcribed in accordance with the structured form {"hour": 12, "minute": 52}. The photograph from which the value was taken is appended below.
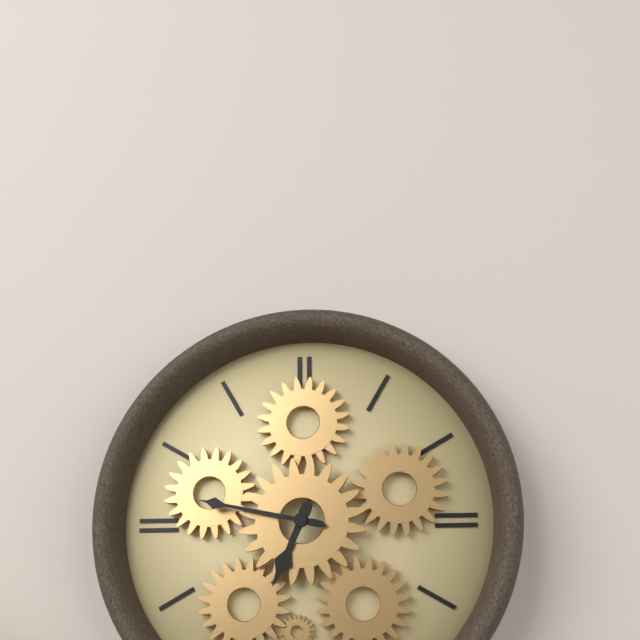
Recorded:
{"hour": 6, "minute": 47}
